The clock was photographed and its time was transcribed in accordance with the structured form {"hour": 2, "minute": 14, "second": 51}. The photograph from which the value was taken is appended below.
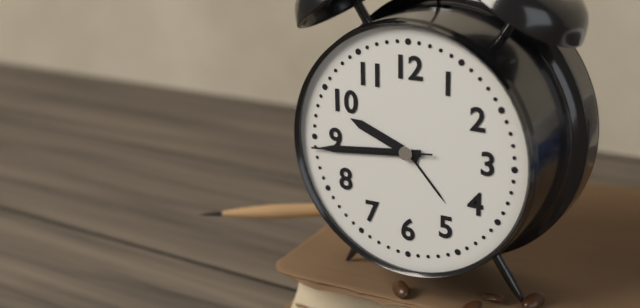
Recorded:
{"hour": 9, "minute": 44, "second": 44}
